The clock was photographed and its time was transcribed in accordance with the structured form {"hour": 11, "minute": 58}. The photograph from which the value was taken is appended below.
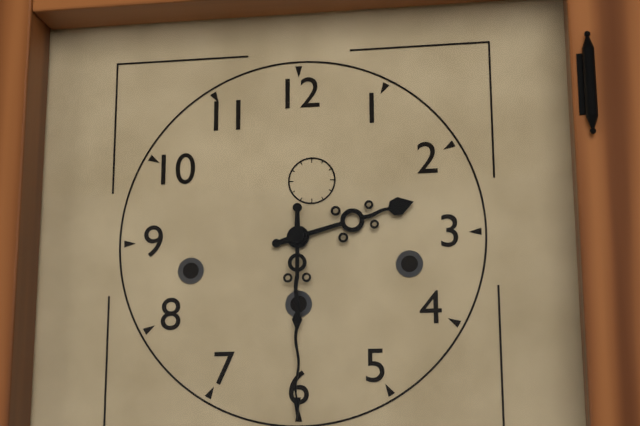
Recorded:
{"hour": 2, "minute": 30}
